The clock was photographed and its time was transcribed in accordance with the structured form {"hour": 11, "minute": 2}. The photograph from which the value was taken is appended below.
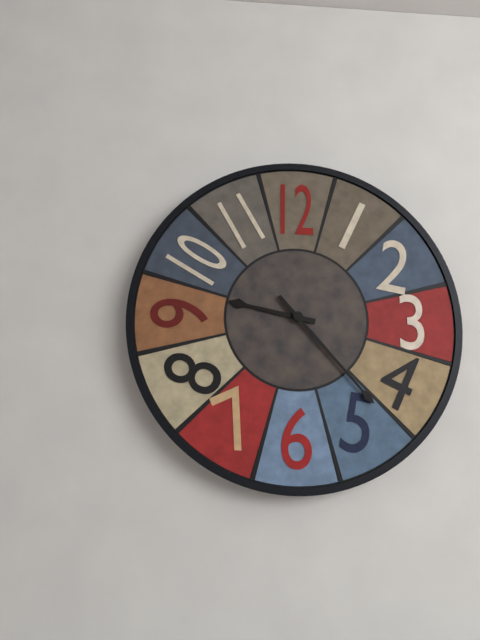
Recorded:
{"hour": 9, "minute": 23}
